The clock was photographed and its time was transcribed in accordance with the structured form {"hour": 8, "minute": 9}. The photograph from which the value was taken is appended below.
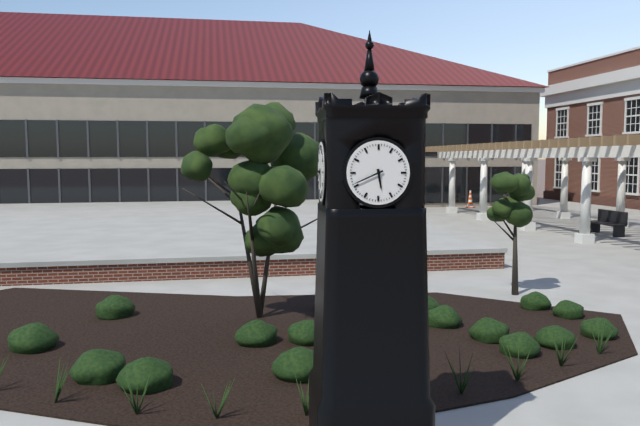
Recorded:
{"hour": 5, "minute": 41}
